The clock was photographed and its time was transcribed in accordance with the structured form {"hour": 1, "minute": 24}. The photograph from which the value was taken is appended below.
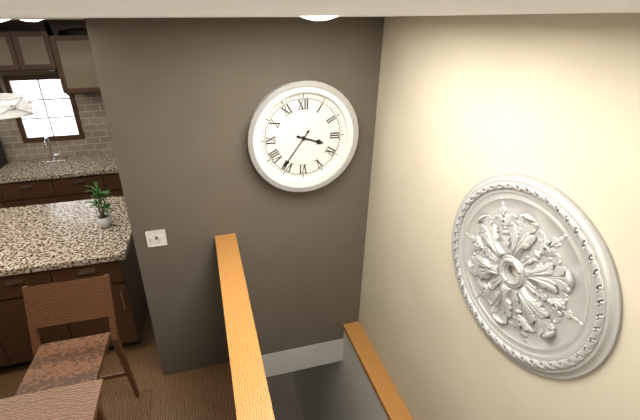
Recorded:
{"hour": 3, "minute": 36}
